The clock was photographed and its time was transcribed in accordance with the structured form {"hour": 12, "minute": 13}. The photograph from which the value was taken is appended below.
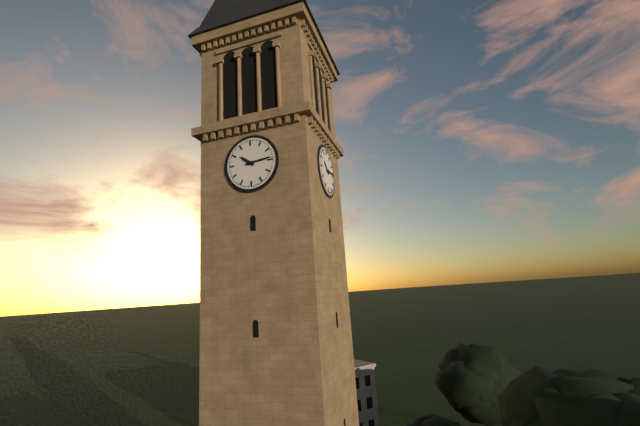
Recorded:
{"hour": 10, "minute": 14}
